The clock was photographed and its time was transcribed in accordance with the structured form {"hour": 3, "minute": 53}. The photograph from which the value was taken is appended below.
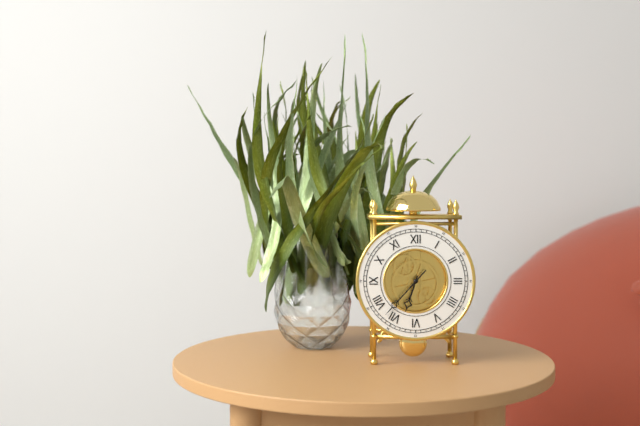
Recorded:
{"hour": 6, "minute": 37}
